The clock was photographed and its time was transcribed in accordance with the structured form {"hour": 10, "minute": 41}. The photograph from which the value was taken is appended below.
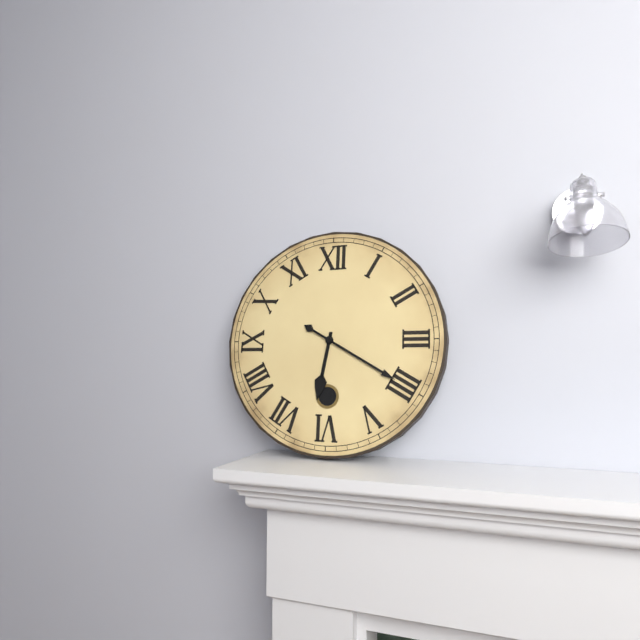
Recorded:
{"hour": 6, "minute": 20}
